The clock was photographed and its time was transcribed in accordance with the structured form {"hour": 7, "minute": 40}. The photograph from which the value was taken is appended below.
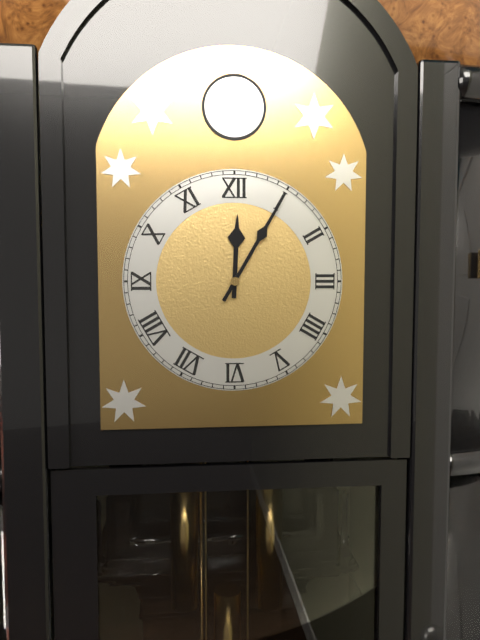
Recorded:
{"hour": 12, "minute": 5}
